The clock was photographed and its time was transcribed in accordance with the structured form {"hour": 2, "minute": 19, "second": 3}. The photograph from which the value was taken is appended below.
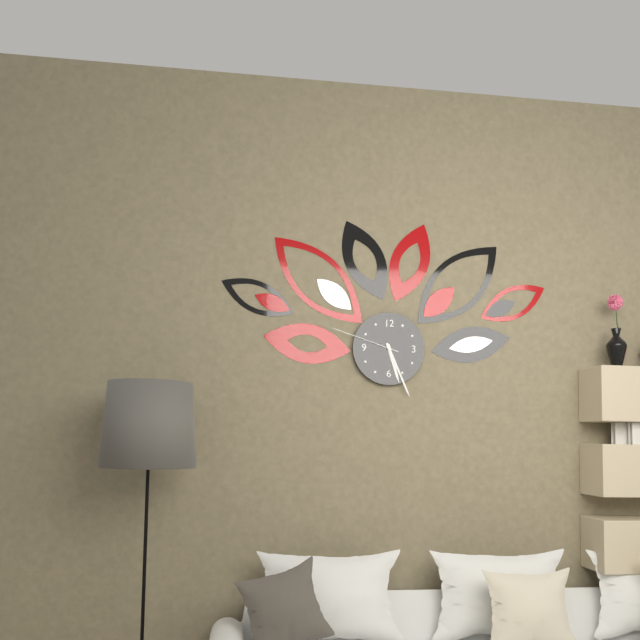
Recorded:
{"hour": 5, "minute": 26, "second": 48}
